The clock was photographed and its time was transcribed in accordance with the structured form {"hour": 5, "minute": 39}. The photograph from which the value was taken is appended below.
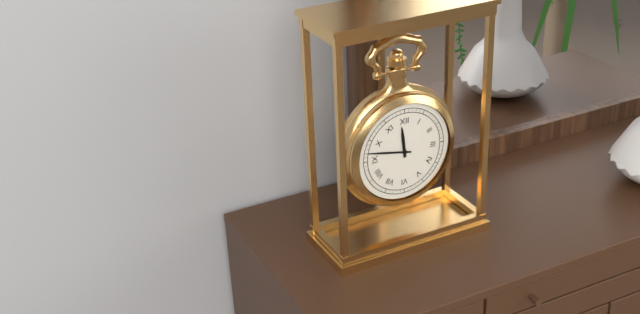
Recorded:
{"hour": 11, "minute": 47}
